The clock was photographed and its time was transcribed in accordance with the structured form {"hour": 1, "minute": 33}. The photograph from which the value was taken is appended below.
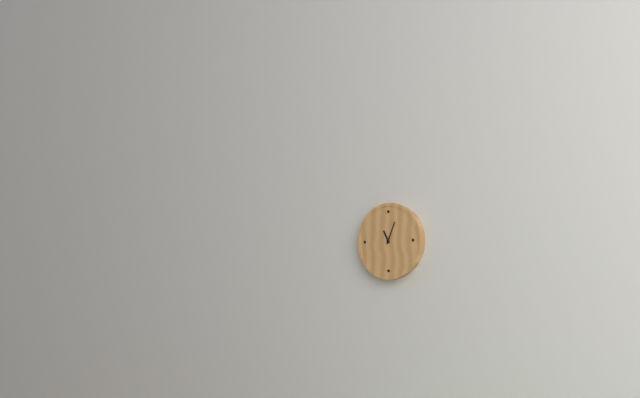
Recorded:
{"hour": 11, "minute": 4}
